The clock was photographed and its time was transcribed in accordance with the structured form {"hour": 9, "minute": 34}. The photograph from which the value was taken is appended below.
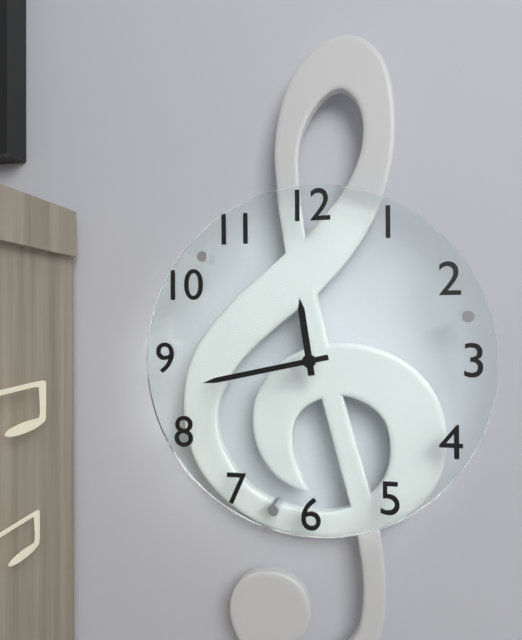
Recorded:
{"hour": 11, "minute": 43}
